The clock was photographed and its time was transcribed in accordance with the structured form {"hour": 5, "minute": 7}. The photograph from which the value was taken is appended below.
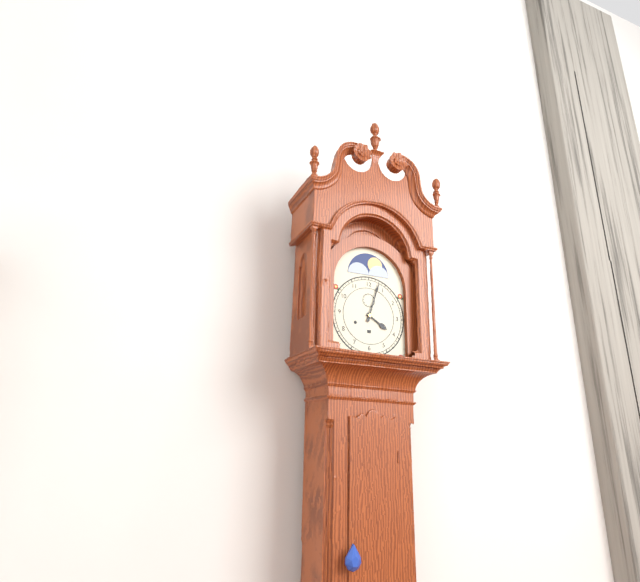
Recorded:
{"hour": 4, "minute": 3}
